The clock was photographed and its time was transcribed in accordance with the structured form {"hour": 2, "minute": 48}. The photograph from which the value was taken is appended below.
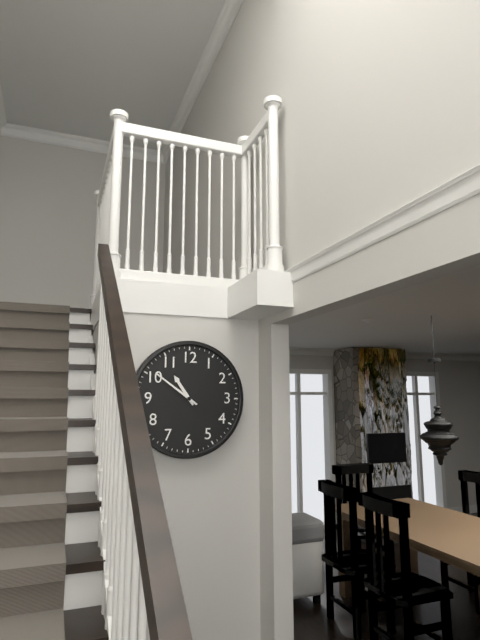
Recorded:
{"hour": 10, "minute": 51}
